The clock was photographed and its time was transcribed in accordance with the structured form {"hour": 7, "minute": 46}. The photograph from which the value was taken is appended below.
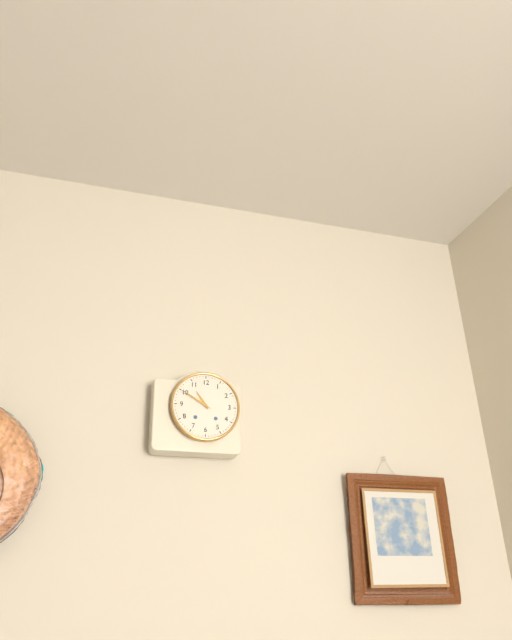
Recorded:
{"hour": 10, "minute": 50}
